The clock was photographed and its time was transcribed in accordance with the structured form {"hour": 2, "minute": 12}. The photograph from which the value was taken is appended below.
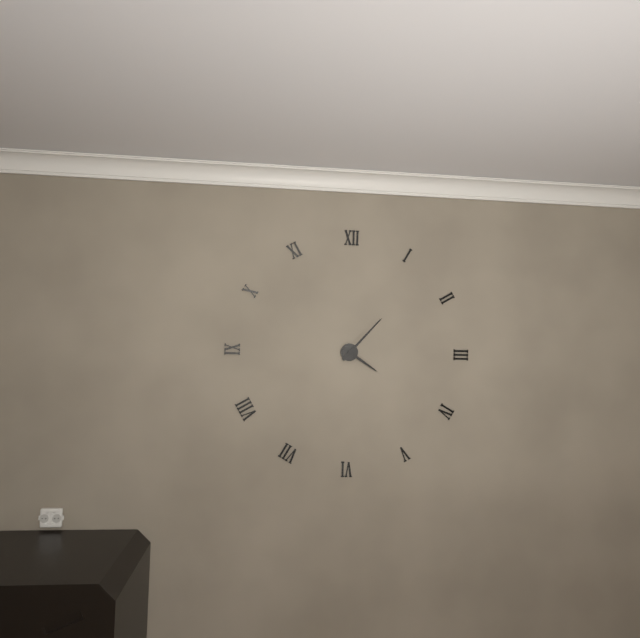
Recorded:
{"hour": 4, "minute": 7}
